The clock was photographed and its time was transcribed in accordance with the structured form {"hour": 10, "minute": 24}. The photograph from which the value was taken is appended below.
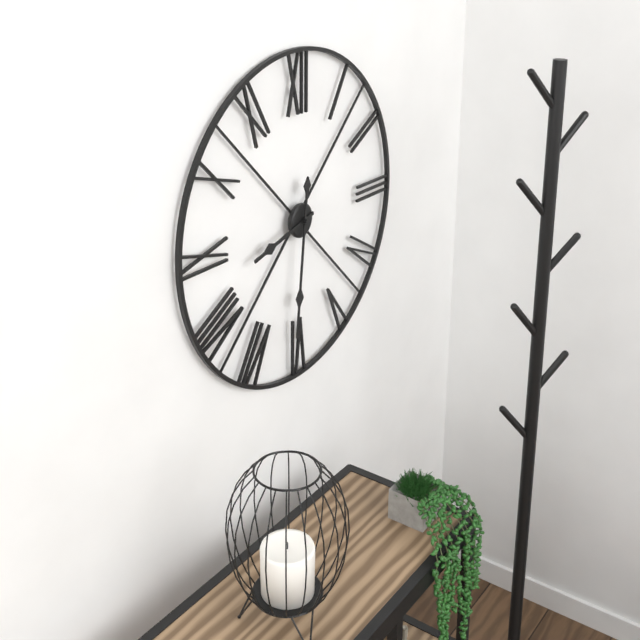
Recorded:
{"hour": 8, "minute": 31}
